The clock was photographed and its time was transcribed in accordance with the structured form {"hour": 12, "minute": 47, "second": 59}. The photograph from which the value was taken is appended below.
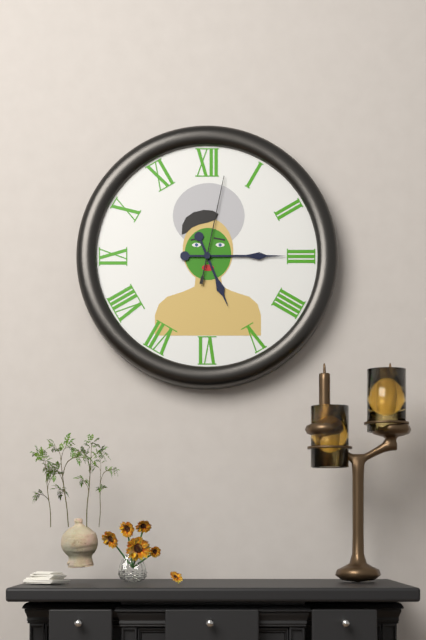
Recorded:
{"hour": 5, "minute": 15, "second": 2}
